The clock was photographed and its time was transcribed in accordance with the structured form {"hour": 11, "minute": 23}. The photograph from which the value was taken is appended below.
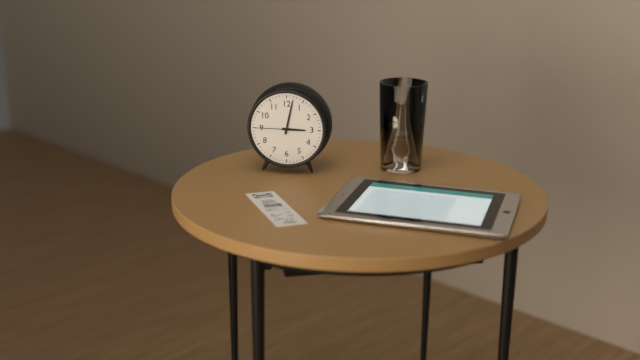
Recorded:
{"hour": 3, "minute": 2}
